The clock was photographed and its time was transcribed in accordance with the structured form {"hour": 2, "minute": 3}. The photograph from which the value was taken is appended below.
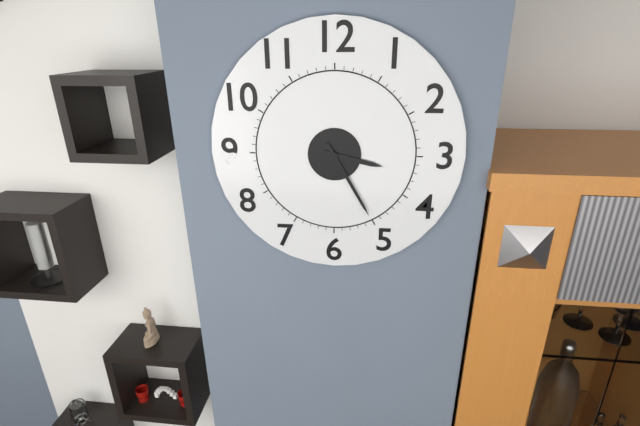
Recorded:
{"hour": 3, "minute": 25}
